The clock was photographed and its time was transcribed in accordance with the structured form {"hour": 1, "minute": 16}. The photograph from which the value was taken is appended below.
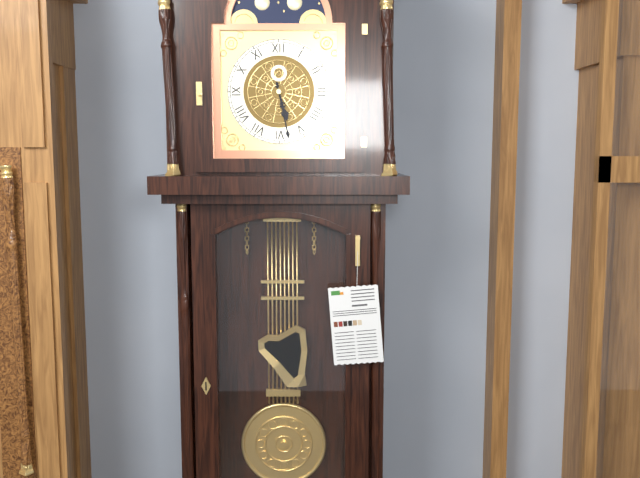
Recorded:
{"hour": 5, "minute": 28}
